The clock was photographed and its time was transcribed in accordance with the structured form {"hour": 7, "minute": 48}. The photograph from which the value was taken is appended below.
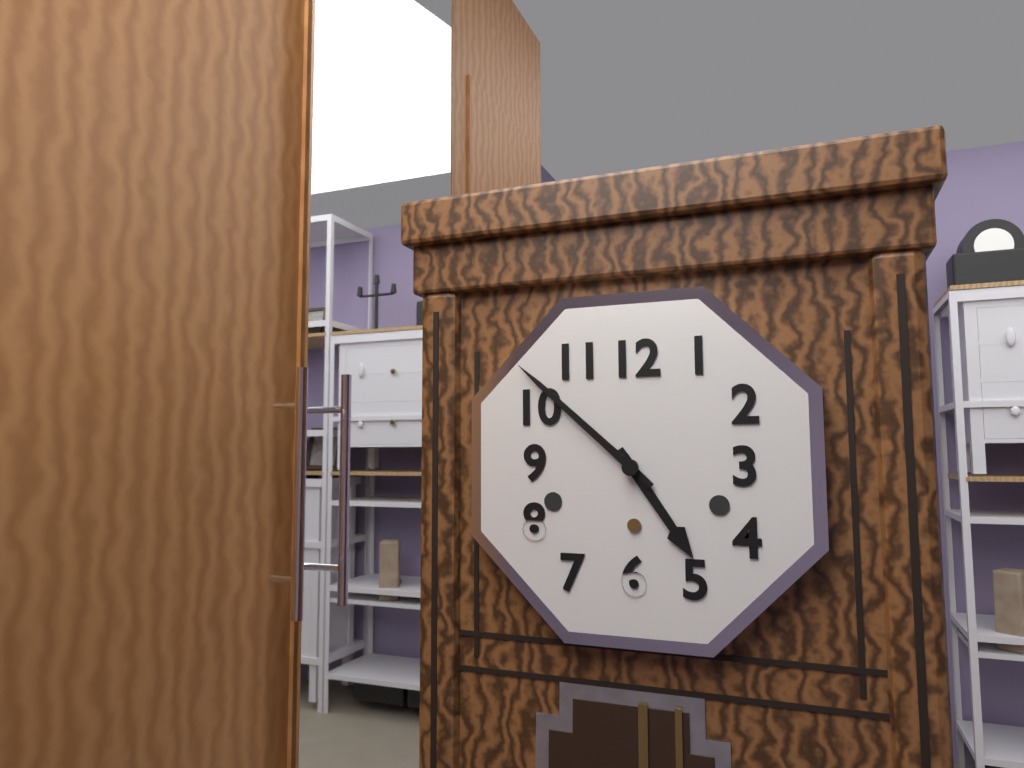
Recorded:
{"hour": 4, "minute": 52}
